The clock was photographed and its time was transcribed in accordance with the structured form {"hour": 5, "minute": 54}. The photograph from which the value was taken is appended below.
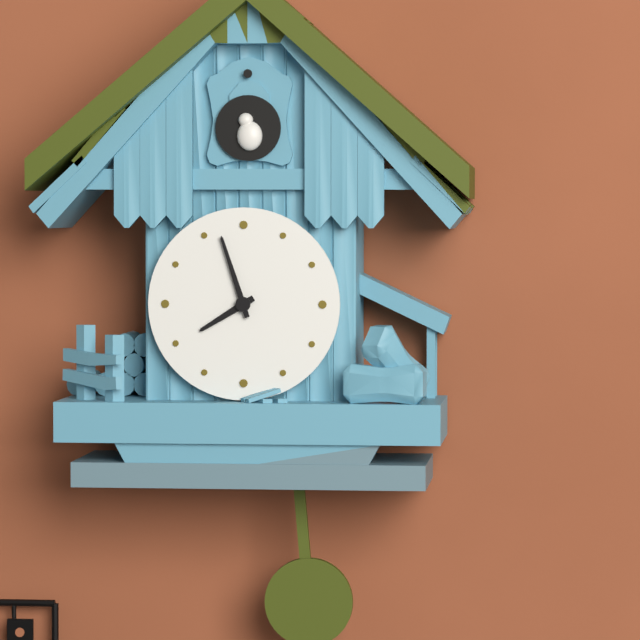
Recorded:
{"hour": 7, "minute": 57}
